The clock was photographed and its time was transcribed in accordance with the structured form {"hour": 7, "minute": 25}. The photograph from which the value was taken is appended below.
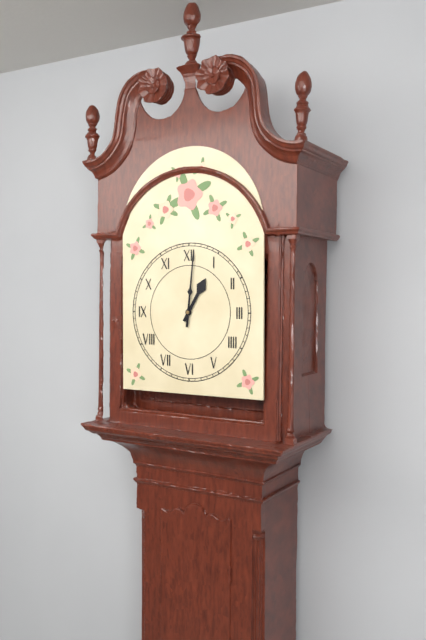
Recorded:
{"hour": 1, "minute": 1}
